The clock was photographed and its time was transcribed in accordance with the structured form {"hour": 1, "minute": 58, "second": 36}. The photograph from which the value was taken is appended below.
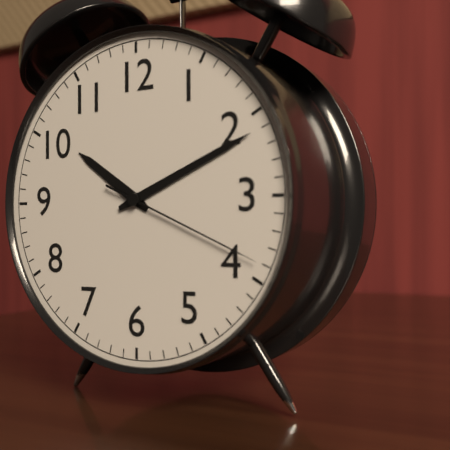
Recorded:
{"hour": 10, "minute": 11, "second": 19}
